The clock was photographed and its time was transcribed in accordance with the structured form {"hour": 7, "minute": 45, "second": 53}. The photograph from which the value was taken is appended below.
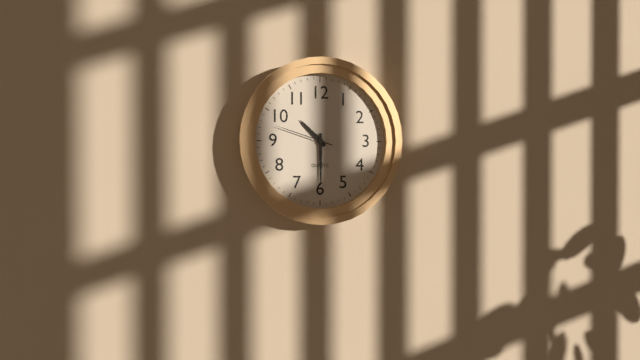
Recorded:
{"hour": 10, "minute": 30, "second": 48}
